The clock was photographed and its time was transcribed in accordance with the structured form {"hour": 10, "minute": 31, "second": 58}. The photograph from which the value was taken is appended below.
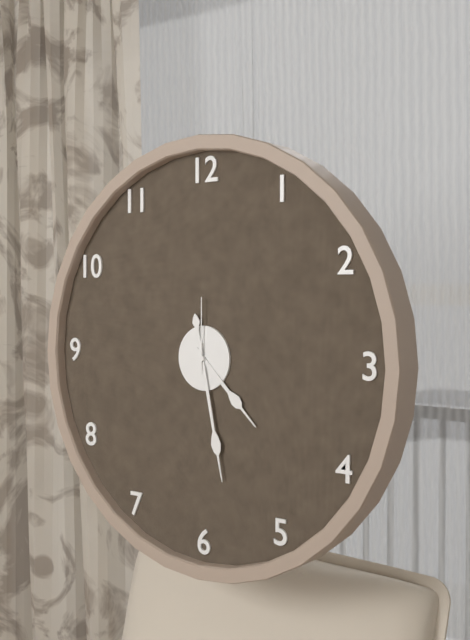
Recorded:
{"hour": 4, "minute": 28, "second": 0}
